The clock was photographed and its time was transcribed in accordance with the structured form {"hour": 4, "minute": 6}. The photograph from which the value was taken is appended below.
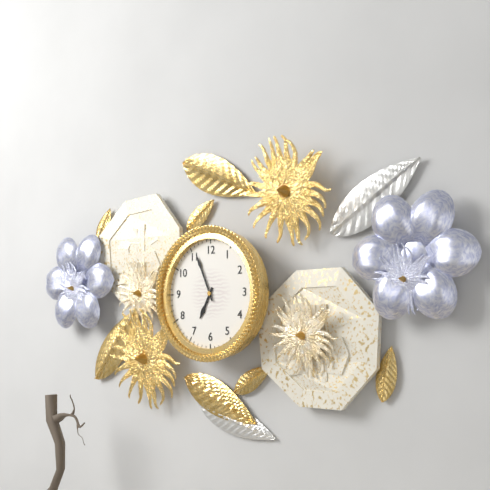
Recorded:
{"hour": 6, "minute": 56}
